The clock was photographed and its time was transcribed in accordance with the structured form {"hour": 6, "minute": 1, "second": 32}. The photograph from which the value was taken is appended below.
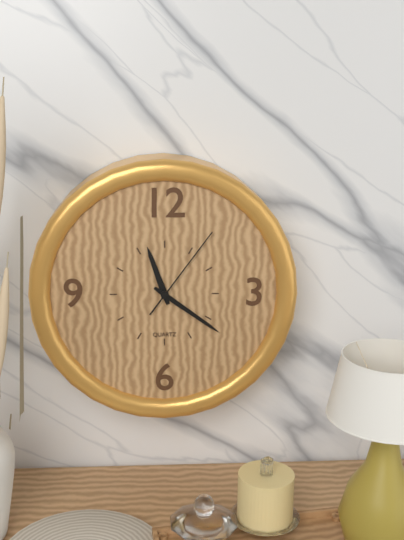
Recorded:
{"hour": 11, "minute": 21, "second": 6}
